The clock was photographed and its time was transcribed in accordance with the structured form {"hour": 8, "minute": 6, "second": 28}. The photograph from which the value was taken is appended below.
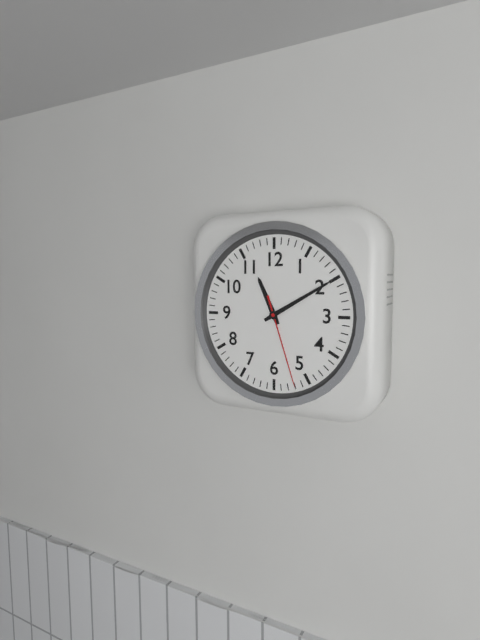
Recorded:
{"hour": 11, "minute": 10, "second": 27}
